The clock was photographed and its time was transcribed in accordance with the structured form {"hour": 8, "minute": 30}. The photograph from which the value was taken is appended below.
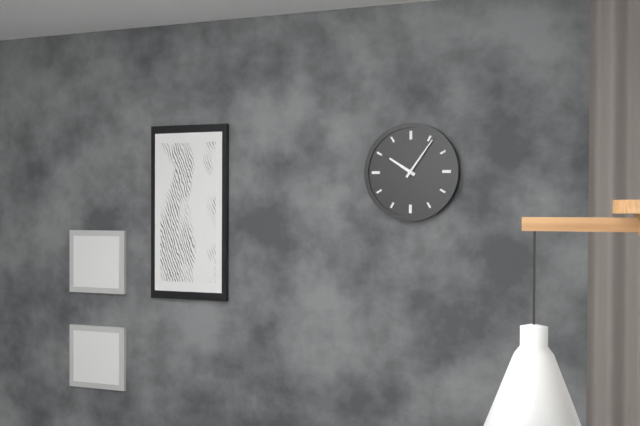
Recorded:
{"hour": 10, "minute": 6}
